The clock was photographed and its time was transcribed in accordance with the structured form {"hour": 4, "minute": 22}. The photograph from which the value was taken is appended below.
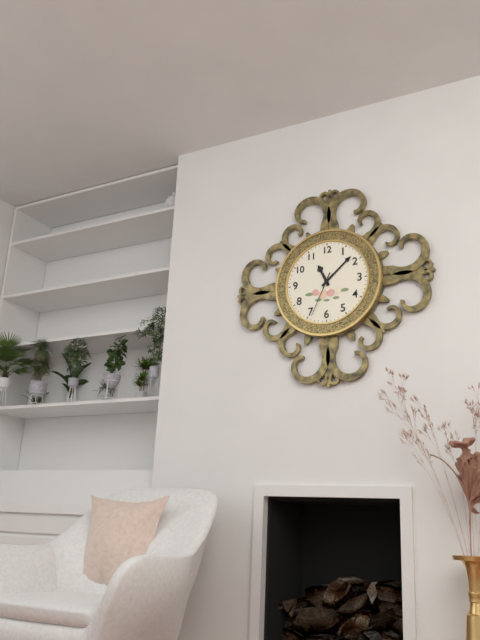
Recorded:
{"hour": 11, "minute": 8}
